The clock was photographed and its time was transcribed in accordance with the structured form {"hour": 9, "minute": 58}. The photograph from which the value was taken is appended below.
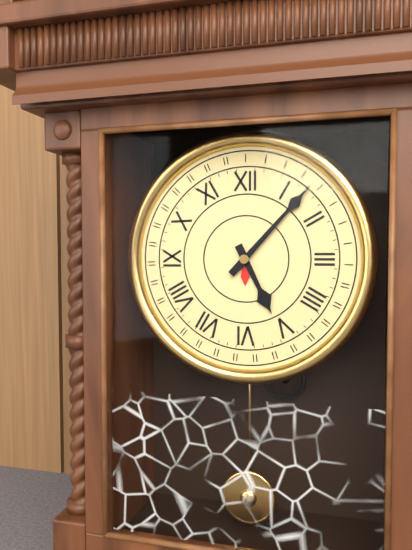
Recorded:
{"hour": 5, "minute": 7}
